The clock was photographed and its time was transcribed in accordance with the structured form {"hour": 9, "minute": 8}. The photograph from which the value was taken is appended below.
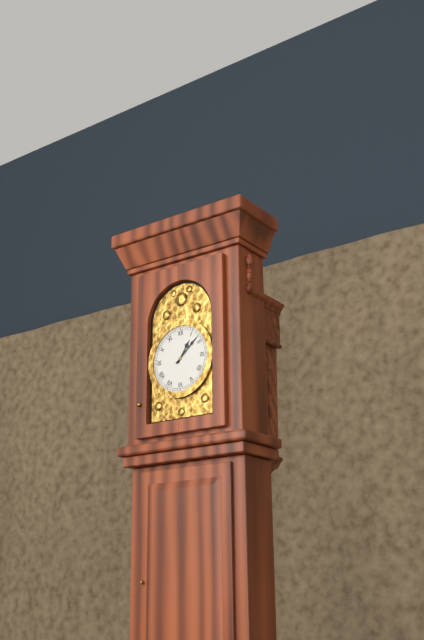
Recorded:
{"hour": 1, "minute": 8}
